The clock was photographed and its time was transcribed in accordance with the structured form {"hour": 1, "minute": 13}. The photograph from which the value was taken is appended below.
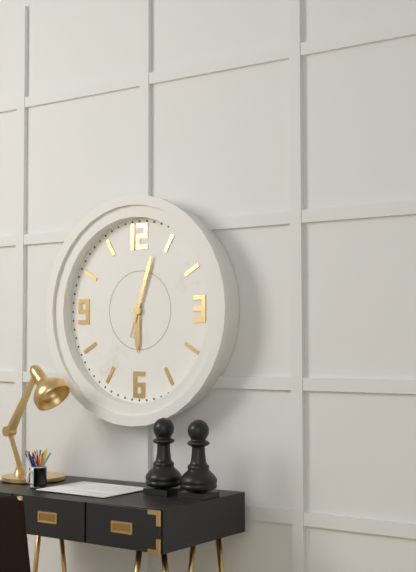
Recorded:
{"hour": 6, "minute": 3}
